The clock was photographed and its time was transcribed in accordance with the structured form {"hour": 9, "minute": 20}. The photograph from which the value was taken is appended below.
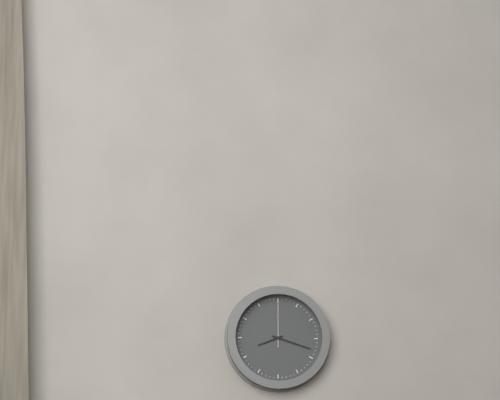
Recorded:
{"hour": 8, "minute": 18}
